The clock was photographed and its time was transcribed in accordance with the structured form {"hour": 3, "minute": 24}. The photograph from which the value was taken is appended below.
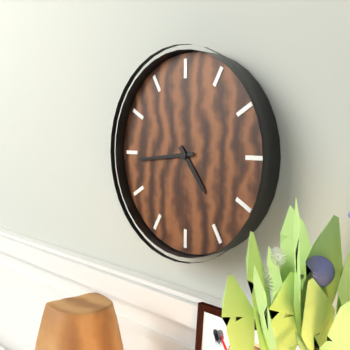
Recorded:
{"hour": 4, "minute": 44}
